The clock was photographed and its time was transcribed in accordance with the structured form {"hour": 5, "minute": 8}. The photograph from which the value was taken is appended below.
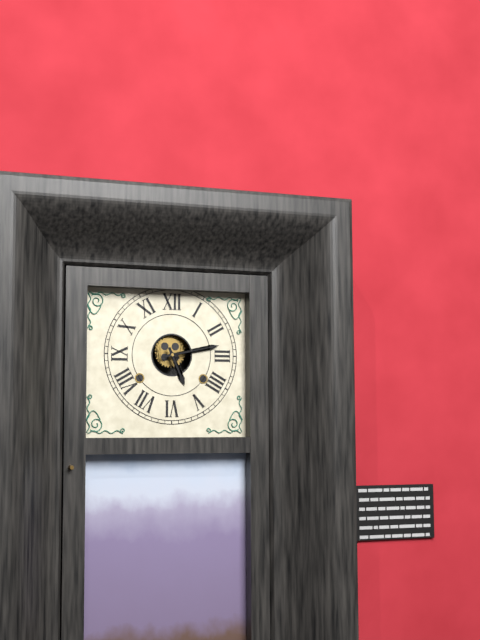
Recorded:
{"hour": 5, "minute": 13}
